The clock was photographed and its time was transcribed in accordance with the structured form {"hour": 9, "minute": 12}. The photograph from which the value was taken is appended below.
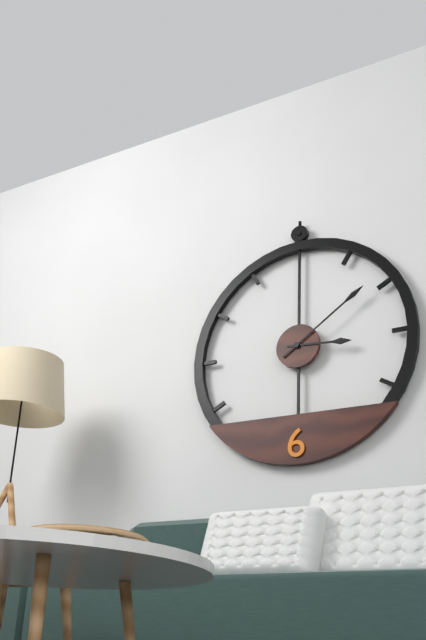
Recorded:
{"hour": 3, "minute": 9}
